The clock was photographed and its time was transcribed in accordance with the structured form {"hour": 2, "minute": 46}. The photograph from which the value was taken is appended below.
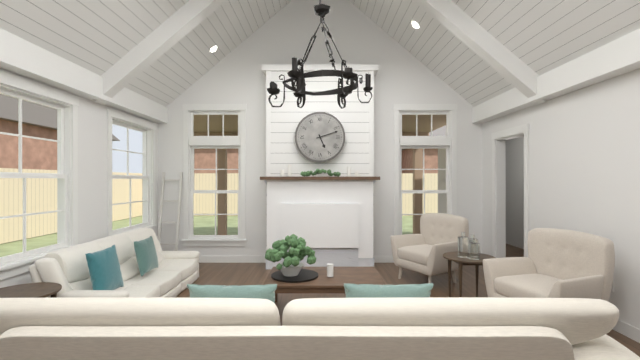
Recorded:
{"hour": 5, "minute": 12}
